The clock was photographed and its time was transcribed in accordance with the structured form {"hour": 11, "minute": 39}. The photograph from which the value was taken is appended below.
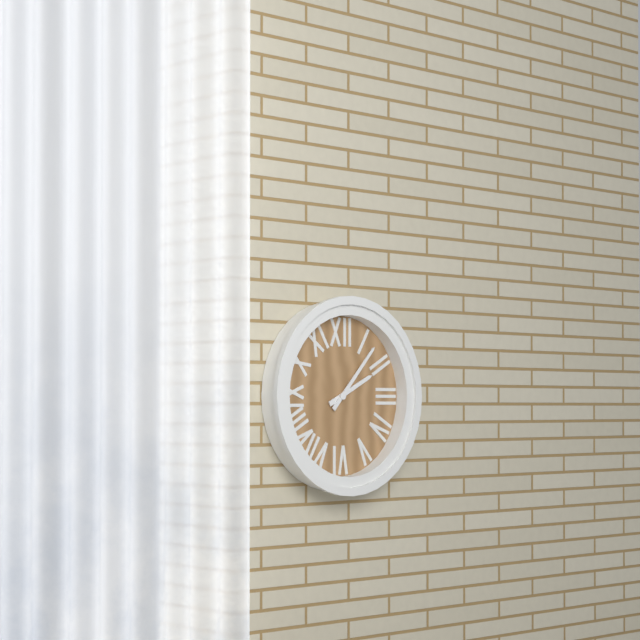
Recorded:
{"hour": 2, "minute": 7}
